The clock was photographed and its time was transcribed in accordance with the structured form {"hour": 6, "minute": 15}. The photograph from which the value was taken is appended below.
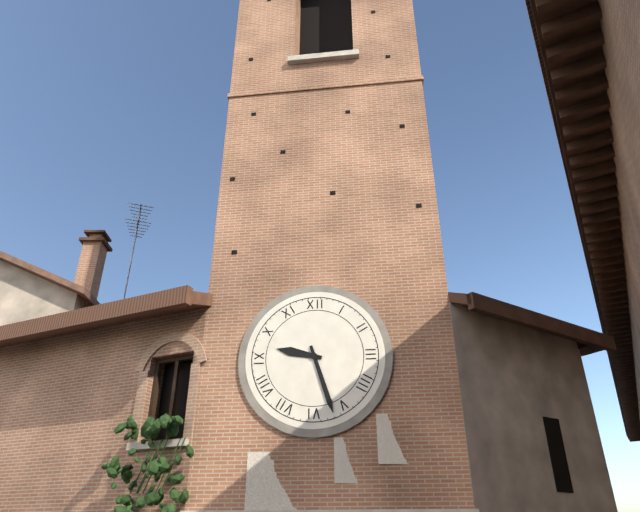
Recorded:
{"hour": 9, "minute": 27}
